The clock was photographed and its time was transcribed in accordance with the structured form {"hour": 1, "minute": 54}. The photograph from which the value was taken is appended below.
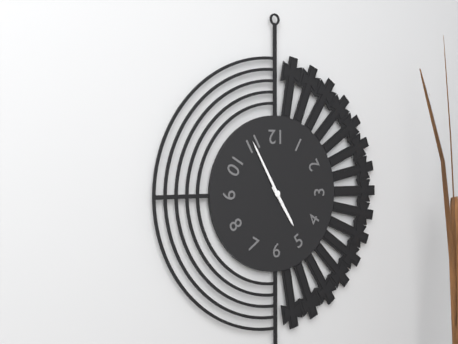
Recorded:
{"hour": 4, "minute": 55}
